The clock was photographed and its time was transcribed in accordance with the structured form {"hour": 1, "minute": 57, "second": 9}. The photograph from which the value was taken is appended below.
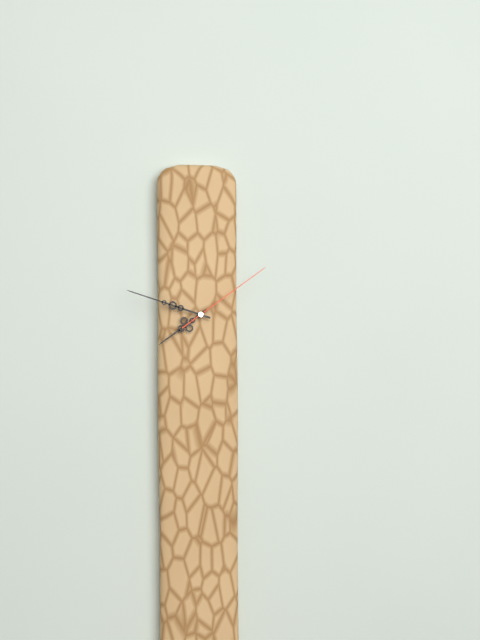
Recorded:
{"hour": 7, "minute": 48, "second": 9}
